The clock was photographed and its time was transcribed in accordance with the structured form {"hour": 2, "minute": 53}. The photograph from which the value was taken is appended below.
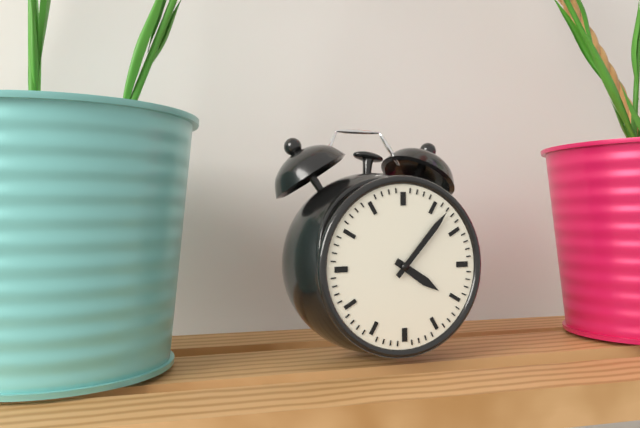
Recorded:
{"hour": 4, "minute": 7}
